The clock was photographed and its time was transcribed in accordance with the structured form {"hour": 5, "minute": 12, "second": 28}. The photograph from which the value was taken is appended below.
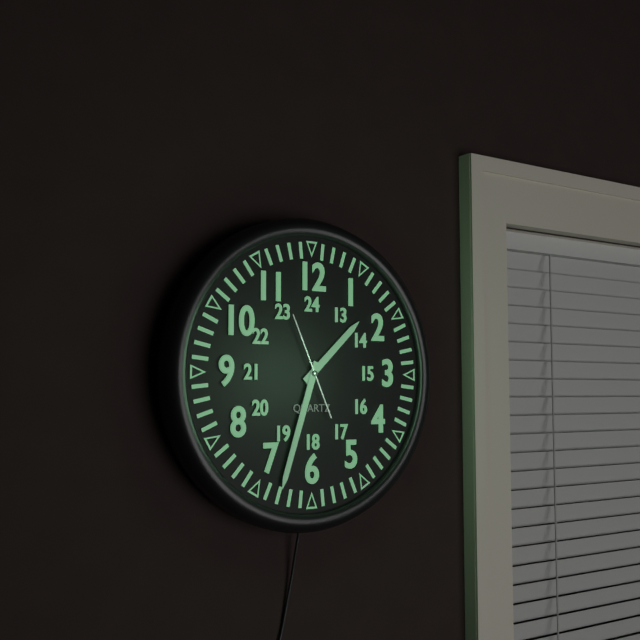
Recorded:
{"hour": 1, "minute": 33, "second": 56}
